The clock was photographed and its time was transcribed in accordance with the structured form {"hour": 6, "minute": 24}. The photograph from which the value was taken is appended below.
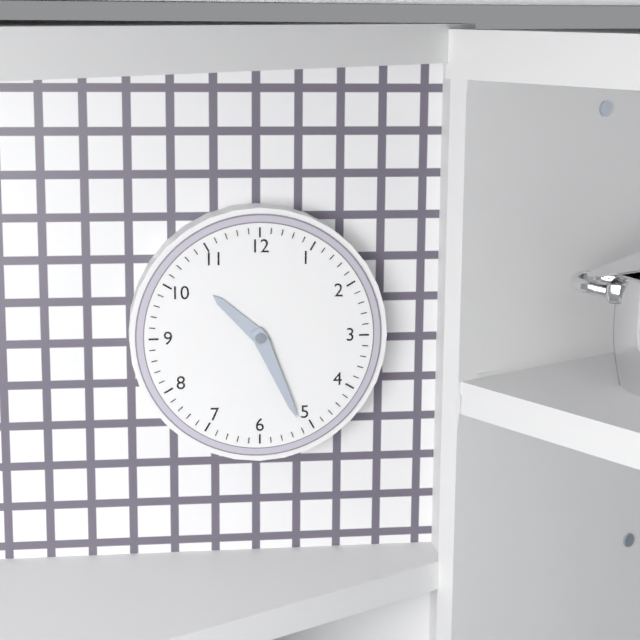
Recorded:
{"hour": 10, "minute": 26}
